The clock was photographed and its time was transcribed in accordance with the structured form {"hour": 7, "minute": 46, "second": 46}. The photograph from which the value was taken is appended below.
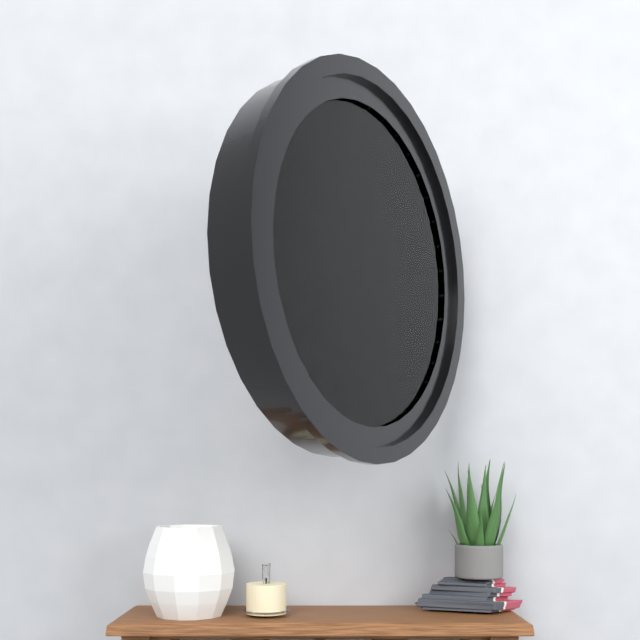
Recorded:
{"hour": 10, "minute": 29, "second": 26}
